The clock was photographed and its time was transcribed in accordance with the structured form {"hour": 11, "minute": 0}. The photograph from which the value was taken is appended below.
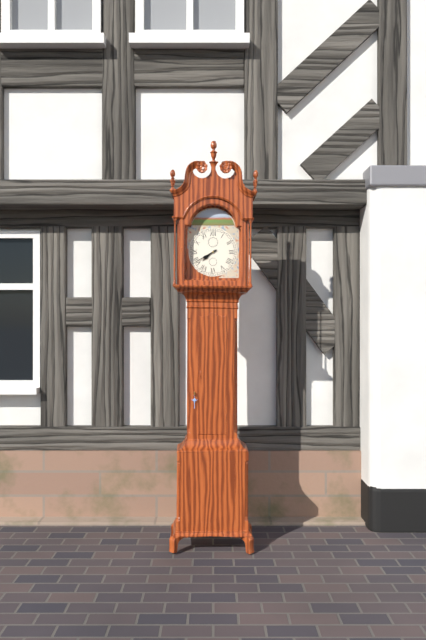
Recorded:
{"hour": 7, "minute": 40}
